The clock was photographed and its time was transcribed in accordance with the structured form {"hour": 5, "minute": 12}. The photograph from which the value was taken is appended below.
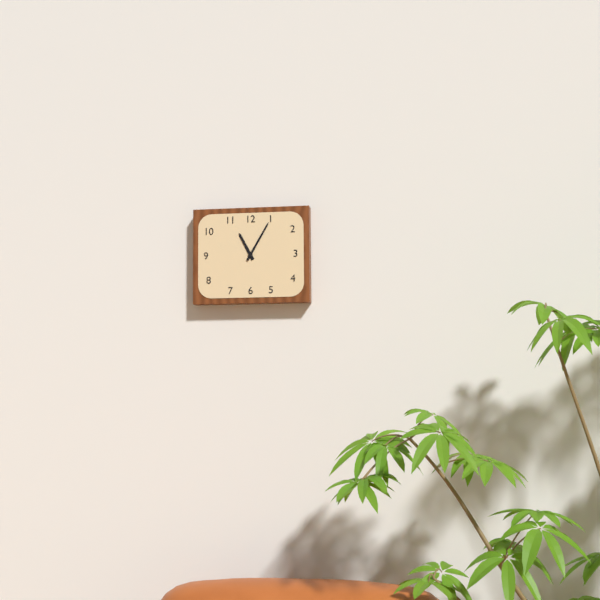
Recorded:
{"hour": 11, "minute": 5}
